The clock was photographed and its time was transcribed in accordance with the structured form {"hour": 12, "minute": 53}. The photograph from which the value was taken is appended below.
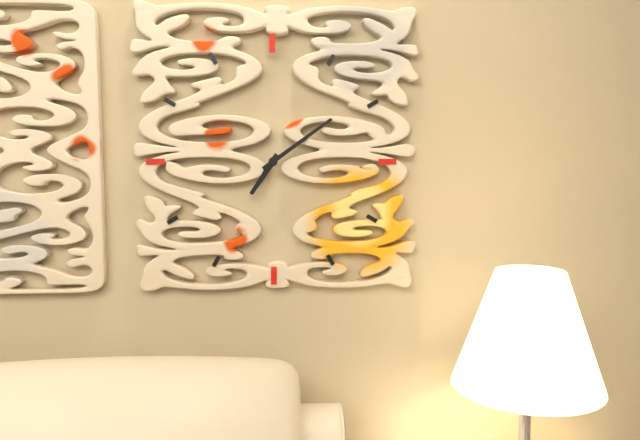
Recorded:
{"hour": 7, "minute": 9}
